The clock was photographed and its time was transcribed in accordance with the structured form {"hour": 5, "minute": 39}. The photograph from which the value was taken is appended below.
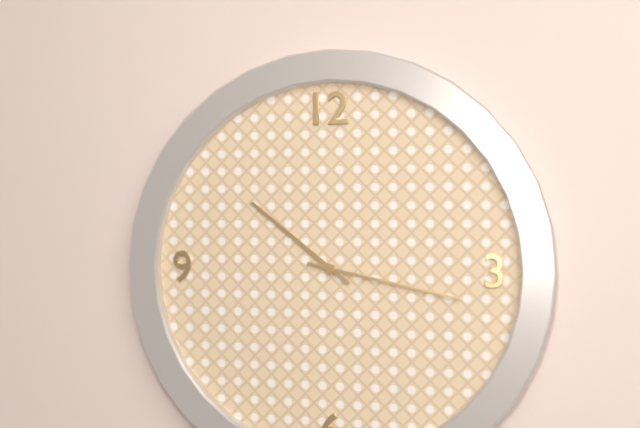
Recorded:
{"hour": 10, "minute": 17}
